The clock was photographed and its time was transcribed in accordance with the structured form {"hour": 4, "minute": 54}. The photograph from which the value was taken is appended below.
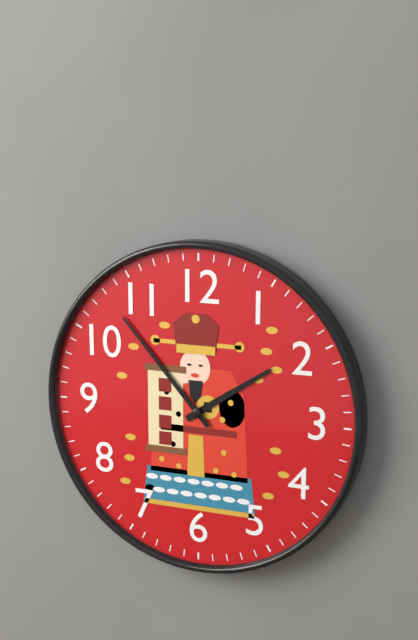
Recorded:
{"hour": 1, "minute": 53}
